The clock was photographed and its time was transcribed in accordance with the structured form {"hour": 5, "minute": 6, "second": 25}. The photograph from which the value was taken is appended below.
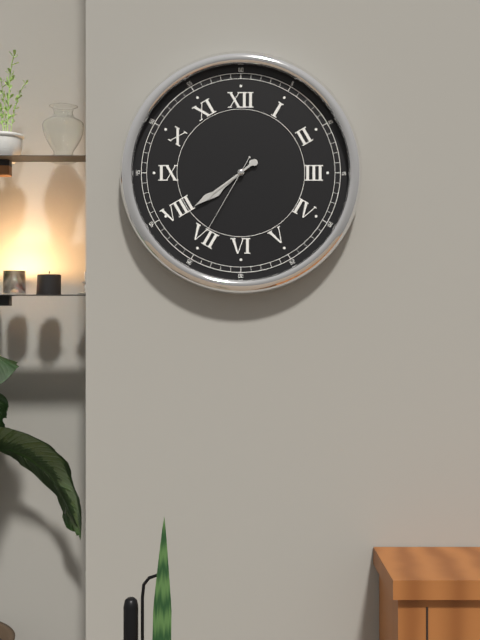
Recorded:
{"hour": 7, "minute": 39, "second": 35}
